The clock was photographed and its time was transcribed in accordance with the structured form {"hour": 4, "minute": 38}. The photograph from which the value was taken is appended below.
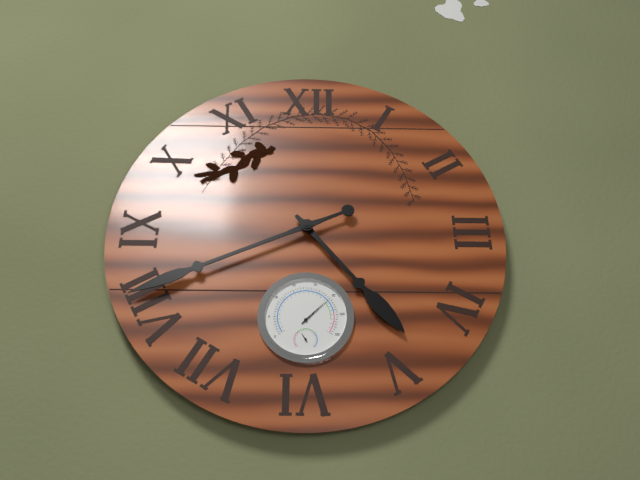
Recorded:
{"hour": 4, "minute": 41}
